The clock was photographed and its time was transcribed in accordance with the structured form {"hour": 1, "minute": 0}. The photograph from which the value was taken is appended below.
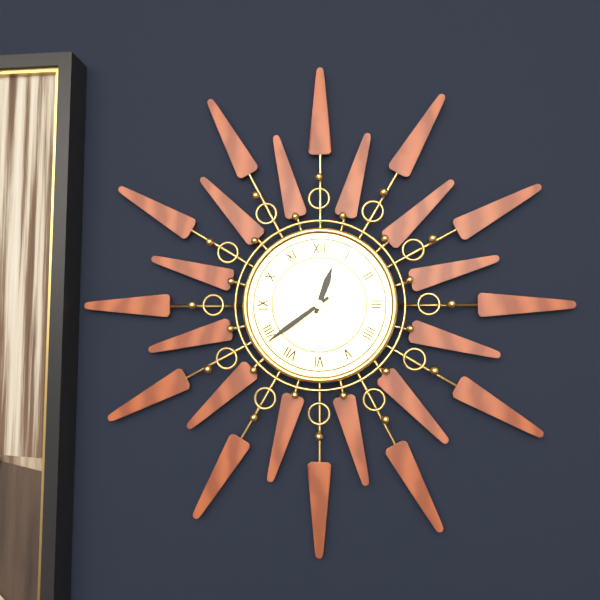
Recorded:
{"hour": 12, "minute": 39}
